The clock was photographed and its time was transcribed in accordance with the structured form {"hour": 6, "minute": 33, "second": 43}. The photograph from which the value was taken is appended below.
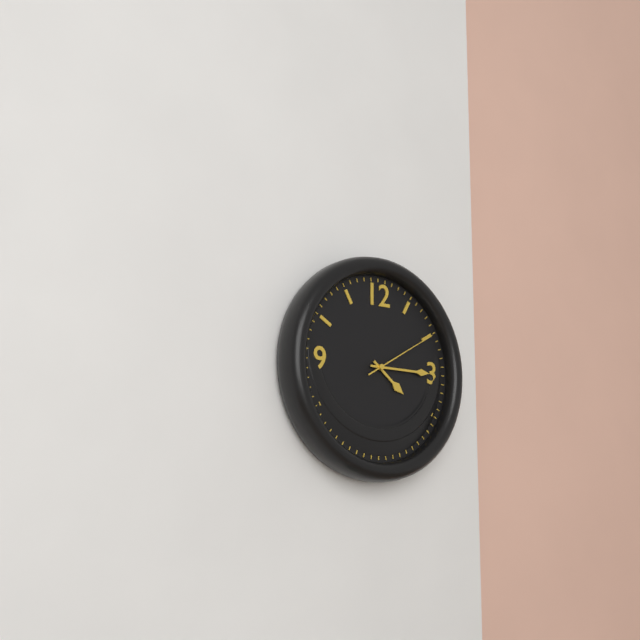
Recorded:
{"hour": 4, "minute": 15, "second": 10}
